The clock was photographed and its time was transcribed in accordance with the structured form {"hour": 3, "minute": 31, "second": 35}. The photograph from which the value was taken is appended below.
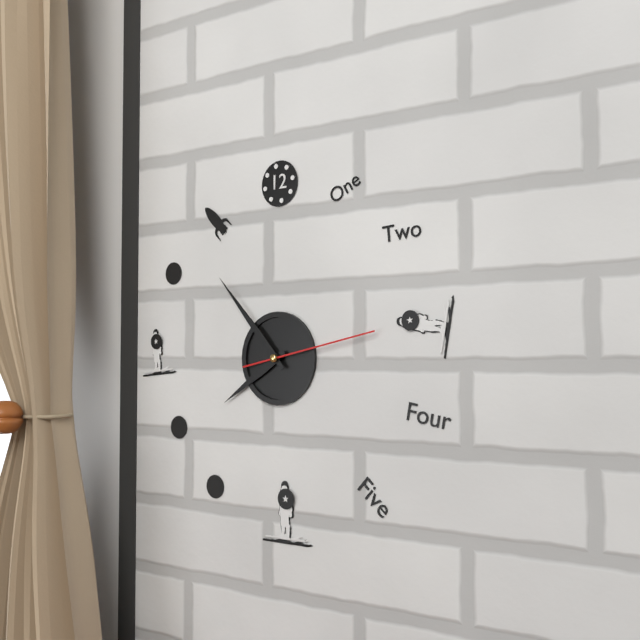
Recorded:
{"hour": 7, "minute": 53, "second": 13}
